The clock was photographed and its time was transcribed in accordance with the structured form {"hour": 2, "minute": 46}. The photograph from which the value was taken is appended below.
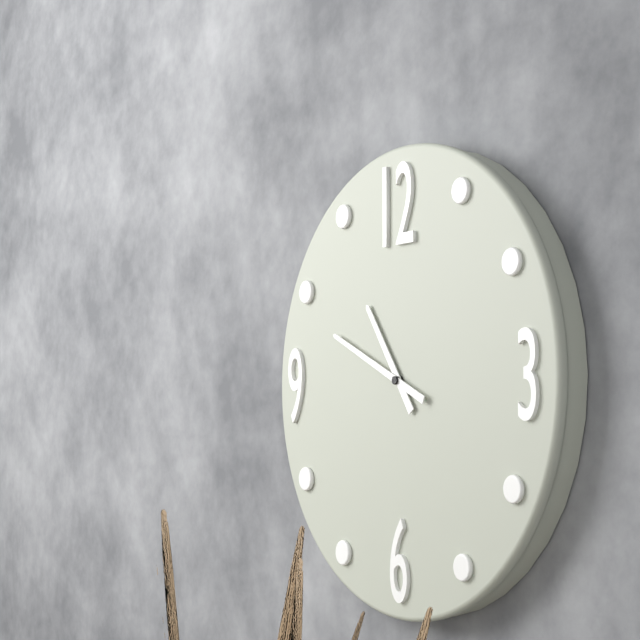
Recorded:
{"hour": 10, "minute": 49}
